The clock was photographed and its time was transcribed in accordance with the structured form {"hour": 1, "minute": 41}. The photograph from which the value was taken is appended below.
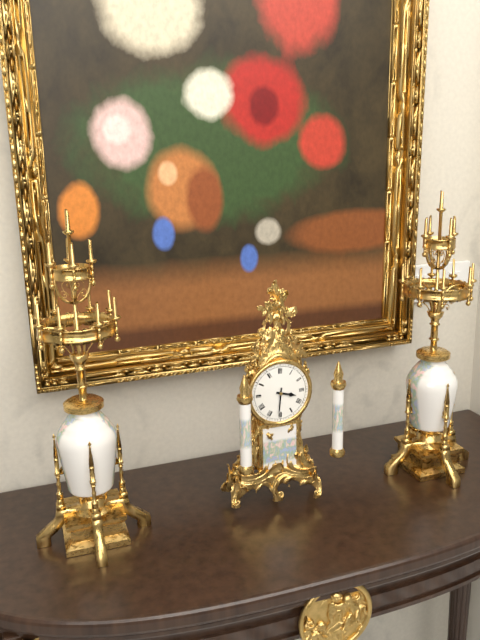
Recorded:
{"hour": 3, "minute": 31}
